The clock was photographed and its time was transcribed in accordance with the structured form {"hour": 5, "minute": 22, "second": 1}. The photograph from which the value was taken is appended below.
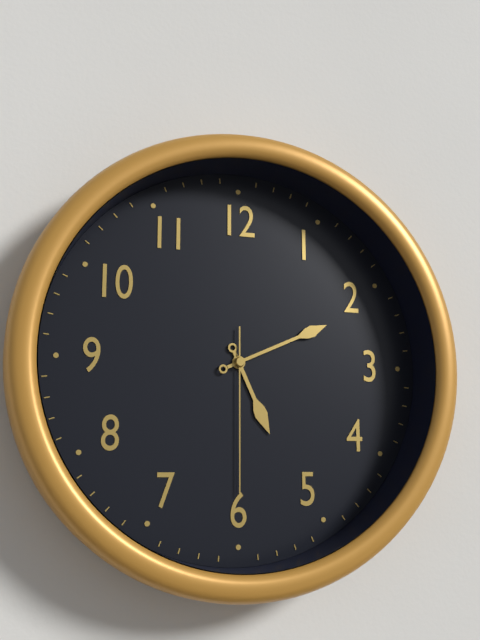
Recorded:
{"hour": 5, "minute": 11, "second": 30}
